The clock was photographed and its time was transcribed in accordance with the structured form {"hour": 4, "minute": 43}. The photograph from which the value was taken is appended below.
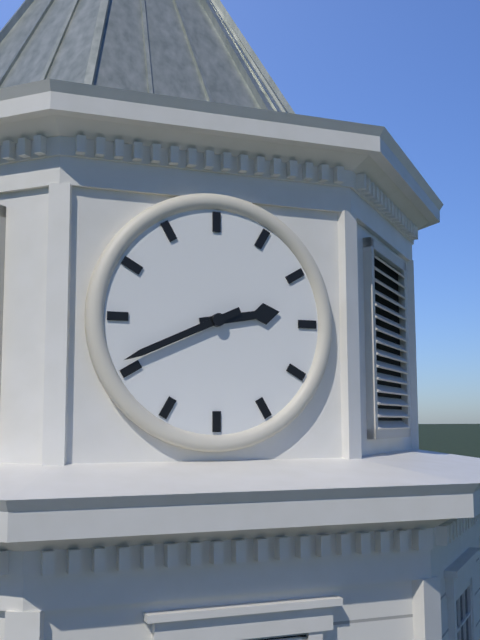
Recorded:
{"hour": 2, "minute": 41}
